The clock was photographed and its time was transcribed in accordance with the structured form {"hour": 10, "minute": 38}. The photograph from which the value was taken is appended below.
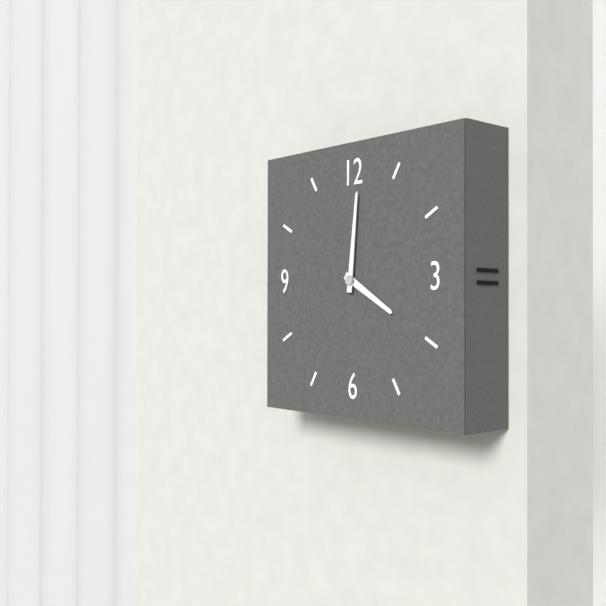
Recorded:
{"hour": 4, "minute": 1}
